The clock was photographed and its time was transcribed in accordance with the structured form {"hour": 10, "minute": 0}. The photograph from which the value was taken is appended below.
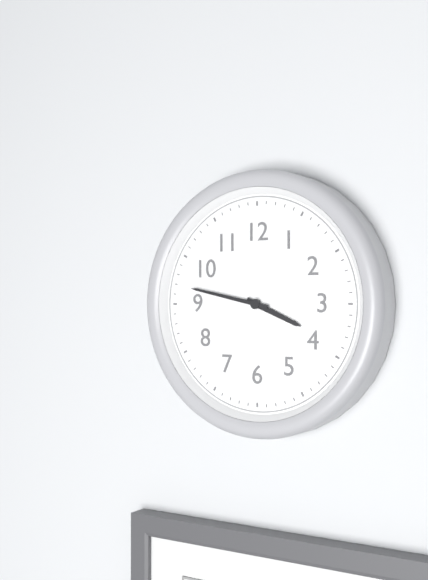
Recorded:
{"hour": 3, "minute": 47}
